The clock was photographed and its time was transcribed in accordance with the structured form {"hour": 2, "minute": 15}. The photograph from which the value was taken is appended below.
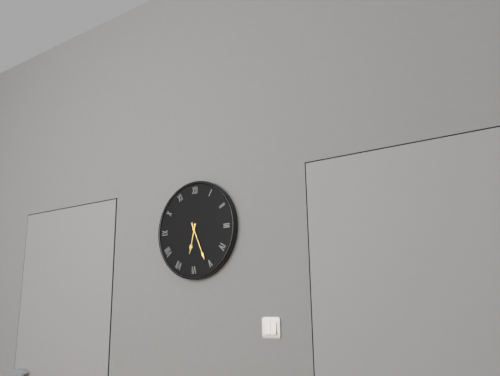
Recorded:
{"hour": 6, "minute": 26}
